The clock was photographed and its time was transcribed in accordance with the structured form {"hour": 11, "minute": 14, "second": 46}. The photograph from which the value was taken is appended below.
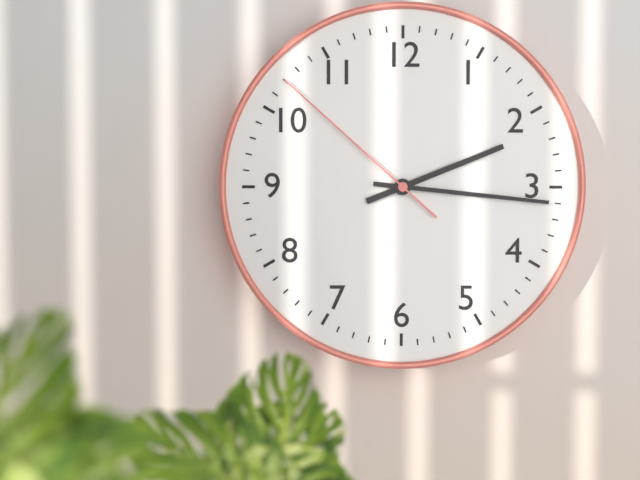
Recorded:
{"hour": 2, "minute": 16, "second": 52}
